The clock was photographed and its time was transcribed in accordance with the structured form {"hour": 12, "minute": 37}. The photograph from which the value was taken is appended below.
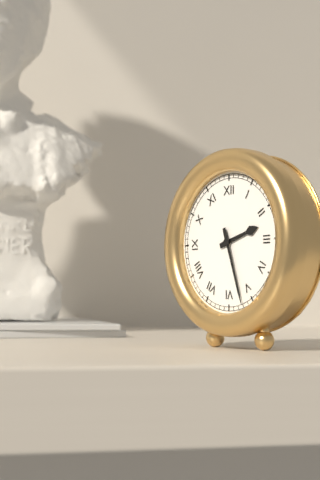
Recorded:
{"hour": 2, "minute": 27}
